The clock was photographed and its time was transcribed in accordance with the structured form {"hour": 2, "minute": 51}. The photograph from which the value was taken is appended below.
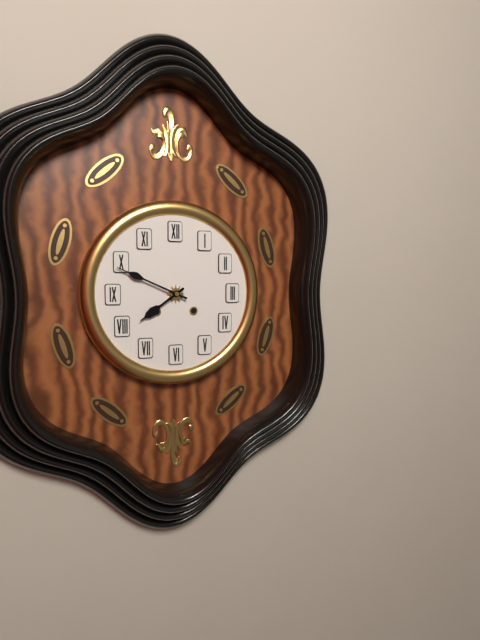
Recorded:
{"hour": 7, "minute": 49}
